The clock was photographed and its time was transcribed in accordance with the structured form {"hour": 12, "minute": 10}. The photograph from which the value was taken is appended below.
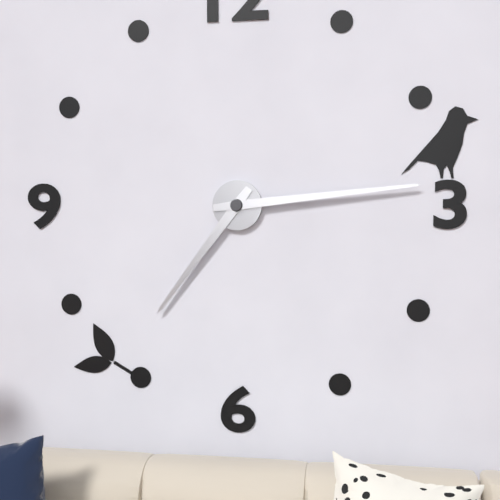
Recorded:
{"hour": 7, "minute": 14}
